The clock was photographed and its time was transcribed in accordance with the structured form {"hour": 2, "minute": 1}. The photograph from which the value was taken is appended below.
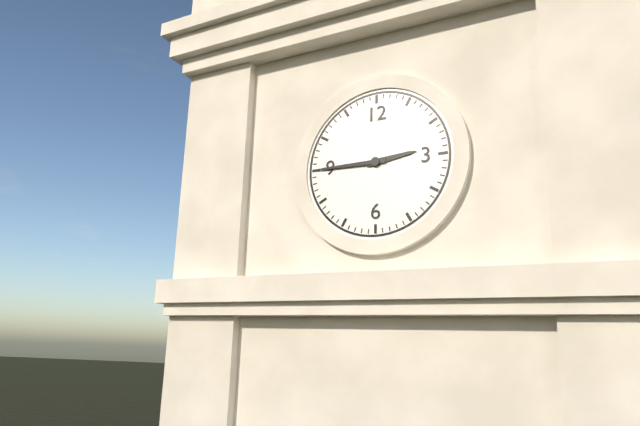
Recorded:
{"hour": 2, "minute": 45}
